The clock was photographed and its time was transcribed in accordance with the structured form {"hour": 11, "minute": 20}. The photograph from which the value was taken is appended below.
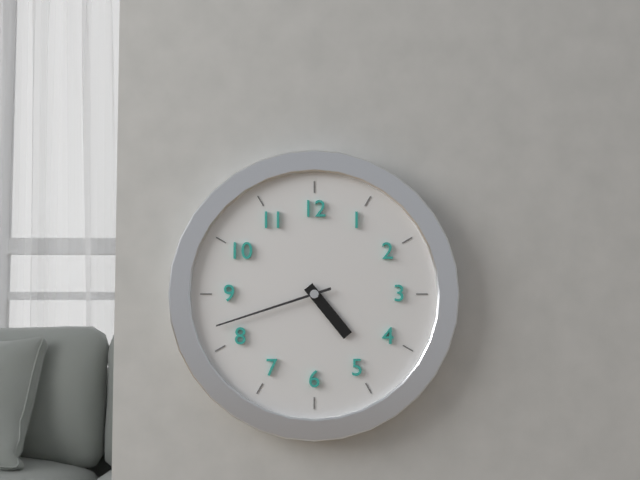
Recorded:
{"hour": 4, "minute": 42}
